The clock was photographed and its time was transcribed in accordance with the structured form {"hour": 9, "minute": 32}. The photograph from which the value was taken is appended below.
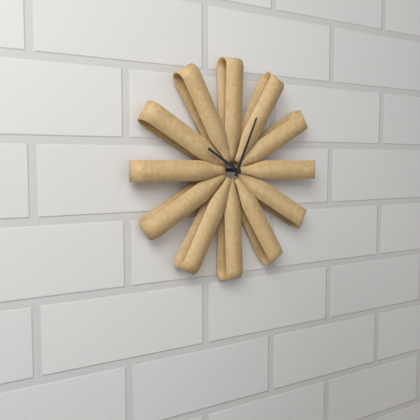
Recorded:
{"hour": 10, "minute": 4}
